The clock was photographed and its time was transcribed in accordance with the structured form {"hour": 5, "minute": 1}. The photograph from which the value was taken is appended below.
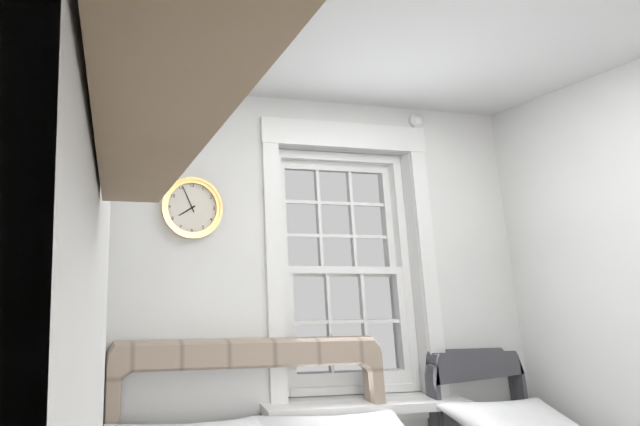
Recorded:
{"hour": 7, "minute": 56}
